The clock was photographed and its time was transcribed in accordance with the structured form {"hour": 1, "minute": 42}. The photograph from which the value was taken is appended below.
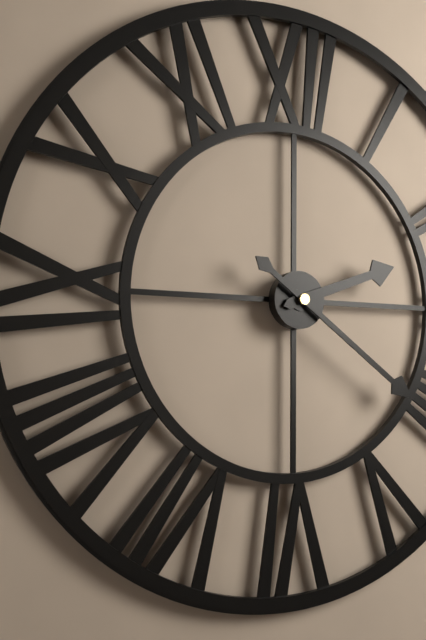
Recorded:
{"hour": 2, "minute": 21}
